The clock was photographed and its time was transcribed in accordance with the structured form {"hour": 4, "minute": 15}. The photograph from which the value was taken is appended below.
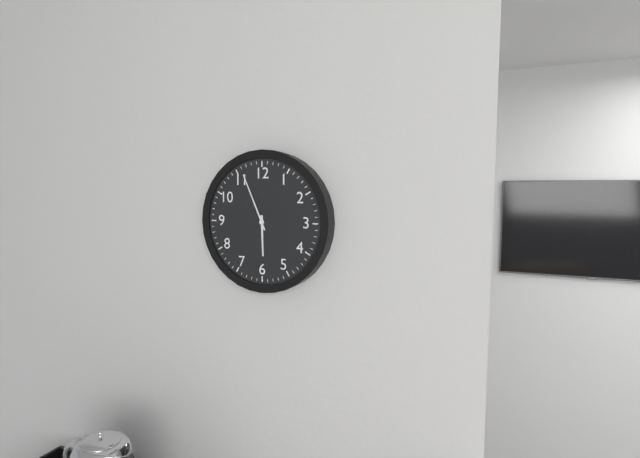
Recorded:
{"hour": 5, "minute": 56}
